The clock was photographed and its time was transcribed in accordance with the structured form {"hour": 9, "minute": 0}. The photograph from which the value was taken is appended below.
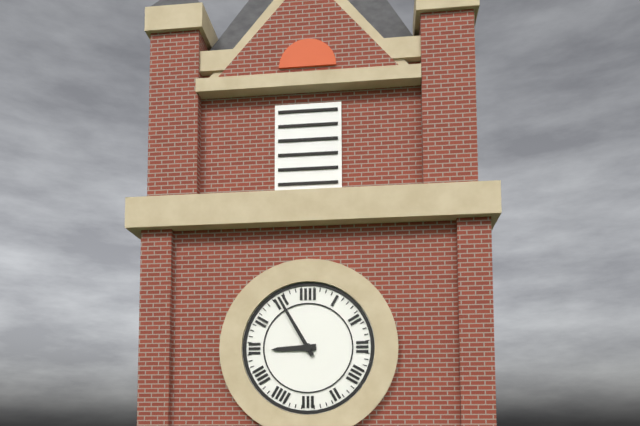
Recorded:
{"hour": 8, "minute": 55}
